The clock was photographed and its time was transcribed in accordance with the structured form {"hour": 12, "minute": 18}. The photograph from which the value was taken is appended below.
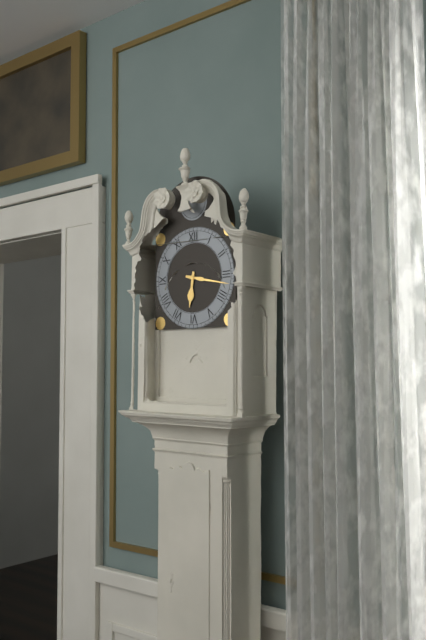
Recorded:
{"hour": 6, "minute": 17}
